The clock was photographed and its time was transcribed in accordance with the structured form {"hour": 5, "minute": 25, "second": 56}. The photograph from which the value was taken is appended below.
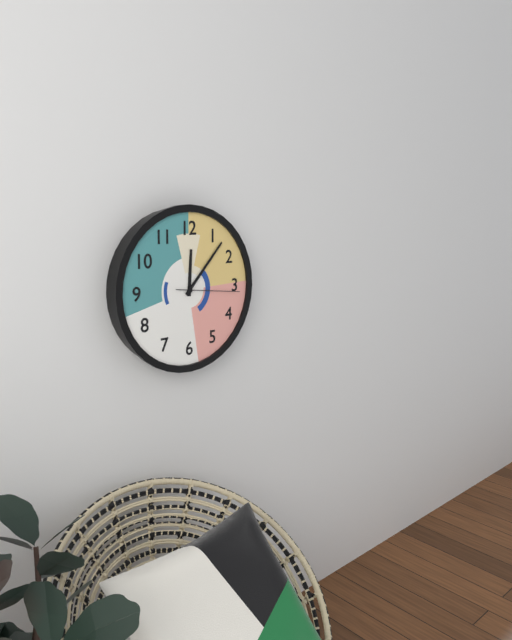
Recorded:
{"hour": 12, "minute": 7, "second": 16}
